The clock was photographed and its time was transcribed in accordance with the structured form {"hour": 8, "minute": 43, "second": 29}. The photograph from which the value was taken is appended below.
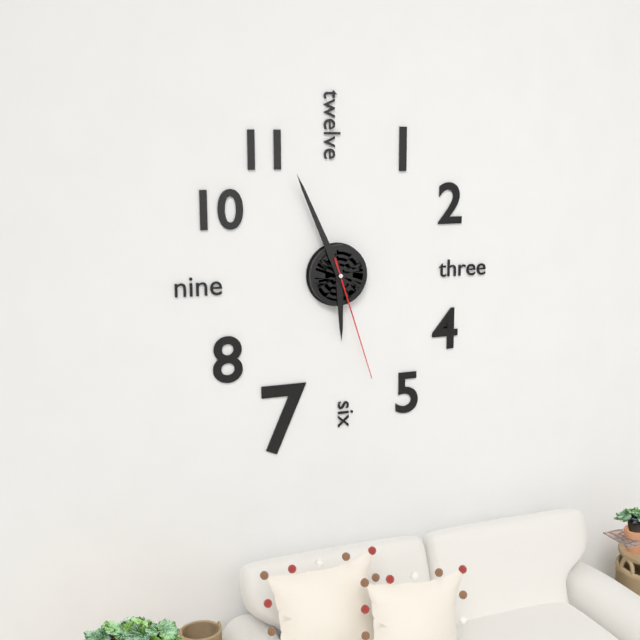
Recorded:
{"hour": 5, "minute": 56, "second": 27}
